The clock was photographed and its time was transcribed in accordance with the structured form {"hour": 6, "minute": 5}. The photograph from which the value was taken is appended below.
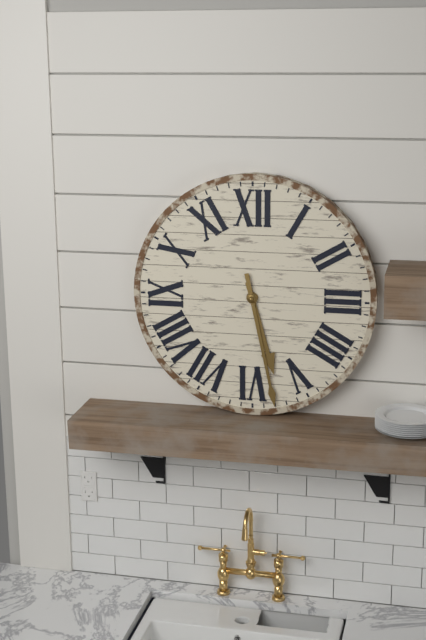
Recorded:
{"hour": 5, "minute": 28}
